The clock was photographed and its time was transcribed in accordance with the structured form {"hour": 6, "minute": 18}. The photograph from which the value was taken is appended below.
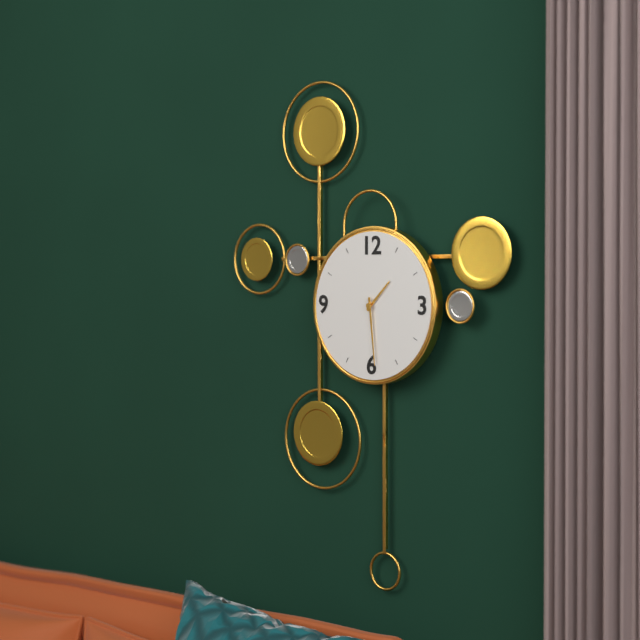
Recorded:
{"hour": 1, "minute": 29}
